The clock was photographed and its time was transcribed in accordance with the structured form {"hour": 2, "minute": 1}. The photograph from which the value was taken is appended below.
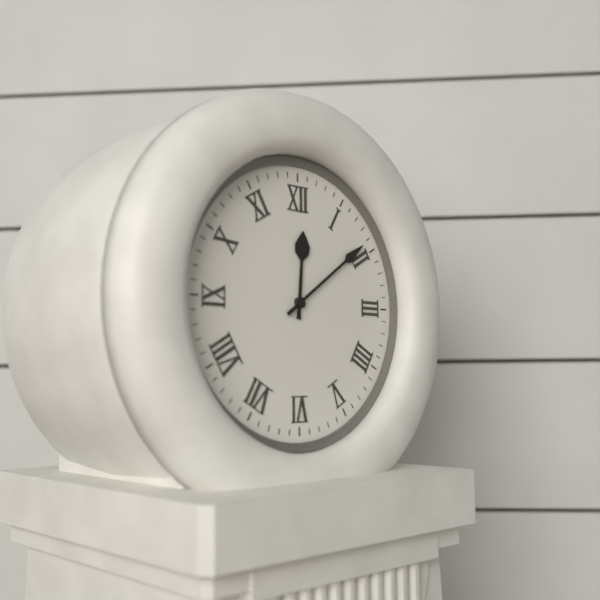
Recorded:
{"hour": 12, "minute": 9}
